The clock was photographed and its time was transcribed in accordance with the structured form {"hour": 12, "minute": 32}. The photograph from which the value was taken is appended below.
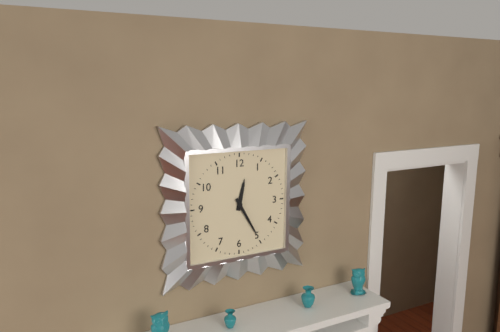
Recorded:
{"hour": 12, "minute": 25}
